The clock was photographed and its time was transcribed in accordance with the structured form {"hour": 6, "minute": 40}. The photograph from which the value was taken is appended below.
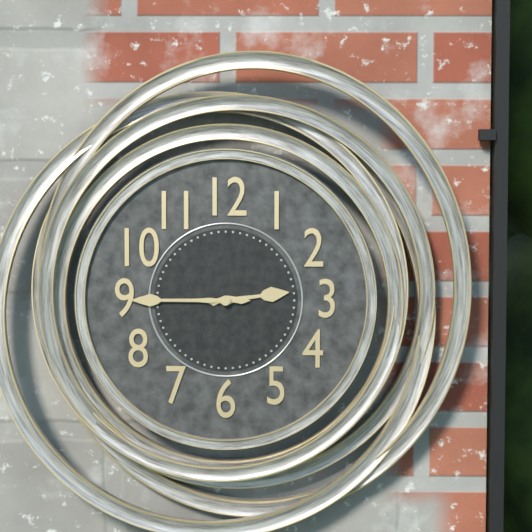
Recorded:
{"hour": 2, "minute": 45}
